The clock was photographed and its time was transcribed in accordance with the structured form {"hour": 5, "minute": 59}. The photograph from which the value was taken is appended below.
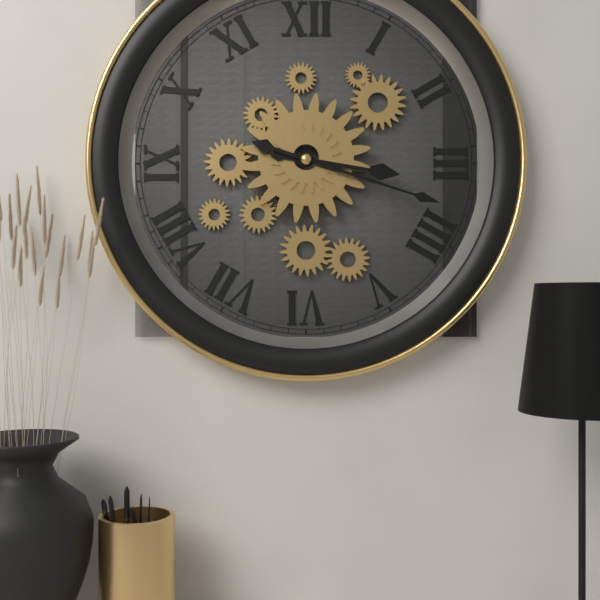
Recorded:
{"hour": 3, "minute": 18}
